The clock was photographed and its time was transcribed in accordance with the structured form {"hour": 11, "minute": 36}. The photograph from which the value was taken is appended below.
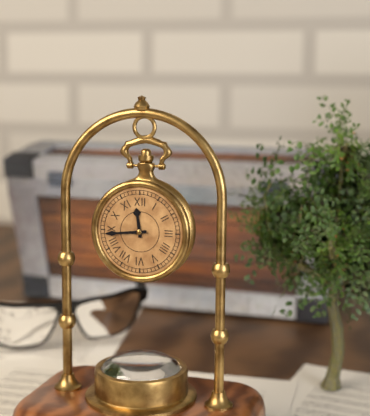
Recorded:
{"hour": 11, "minute": 44}
